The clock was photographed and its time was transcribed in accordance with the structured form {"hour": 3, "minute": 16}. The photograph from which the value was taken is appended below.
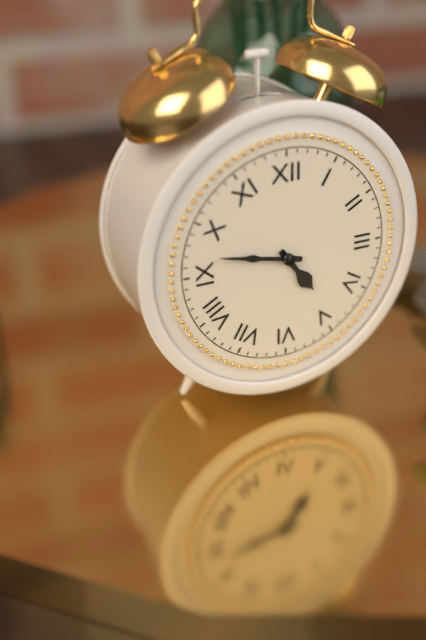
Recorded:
{"hour": 4, "minute": 47}
